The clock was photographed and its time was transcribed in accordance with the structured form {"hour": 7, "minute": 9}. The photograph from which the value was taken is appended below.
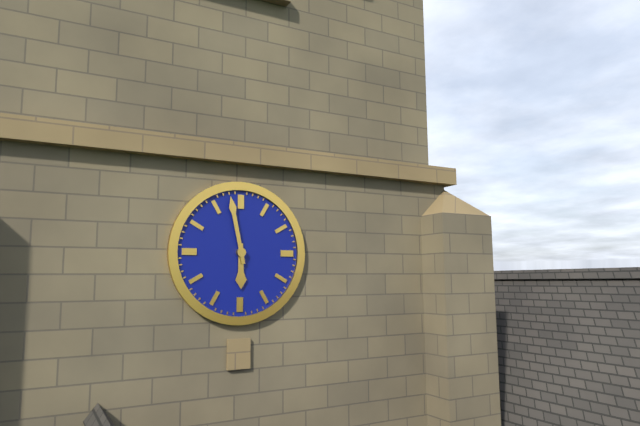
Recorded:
{"hour": 5, "minute": 58}
